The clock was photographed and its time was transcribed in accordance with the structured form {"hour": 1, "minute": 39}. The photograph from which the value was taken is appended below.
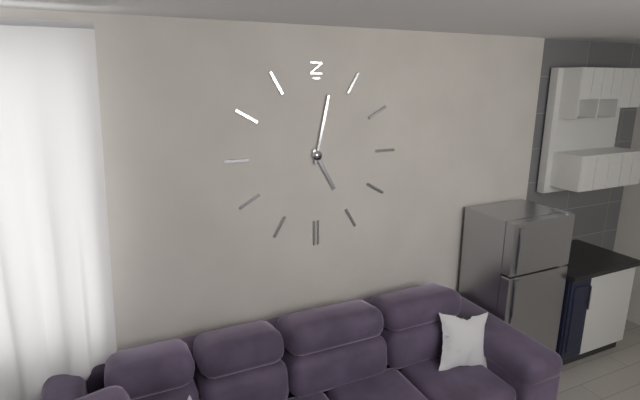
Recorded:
{"hour": 5, "minute": 2}
